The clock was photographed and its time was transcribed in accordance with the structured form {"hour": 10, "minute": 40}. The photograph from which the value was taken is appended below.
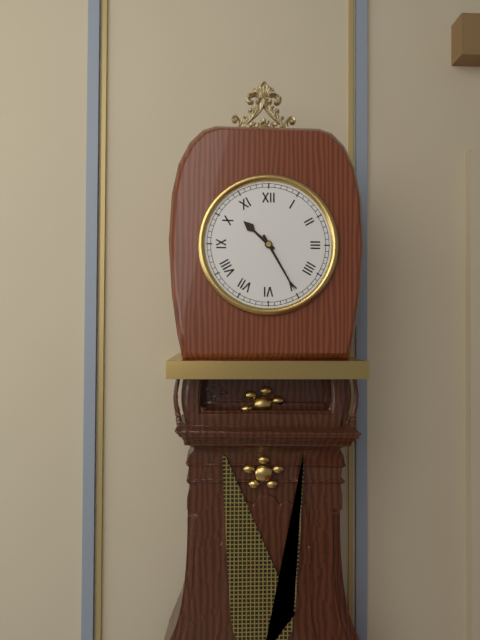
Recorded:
{"hour": 10, "minute": 25}
